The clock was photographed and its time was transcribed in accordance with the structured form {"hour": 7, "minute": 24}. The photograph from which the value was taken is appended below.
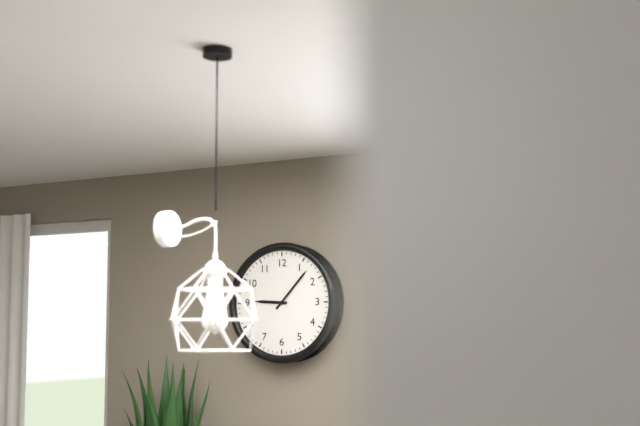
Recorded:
{"hour": 9, "minute": 7}
